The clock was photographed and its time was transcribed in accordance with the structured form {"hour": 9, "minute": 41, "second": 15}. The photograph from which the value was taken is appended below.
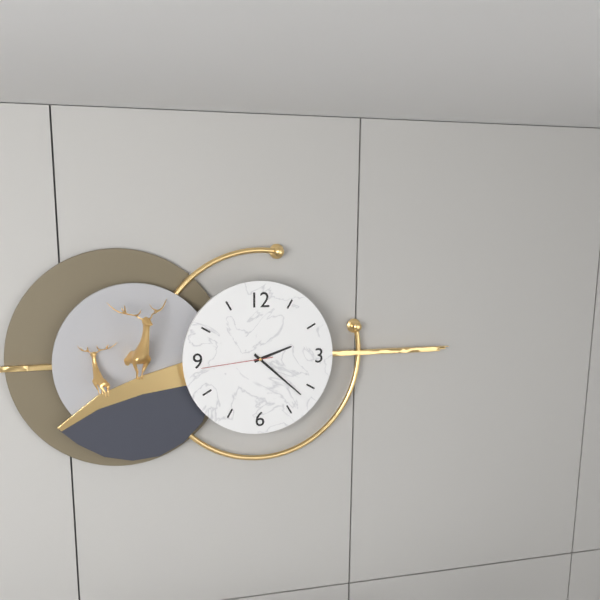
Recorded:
{"hour": 2, "minute": 22, "second": 44}
